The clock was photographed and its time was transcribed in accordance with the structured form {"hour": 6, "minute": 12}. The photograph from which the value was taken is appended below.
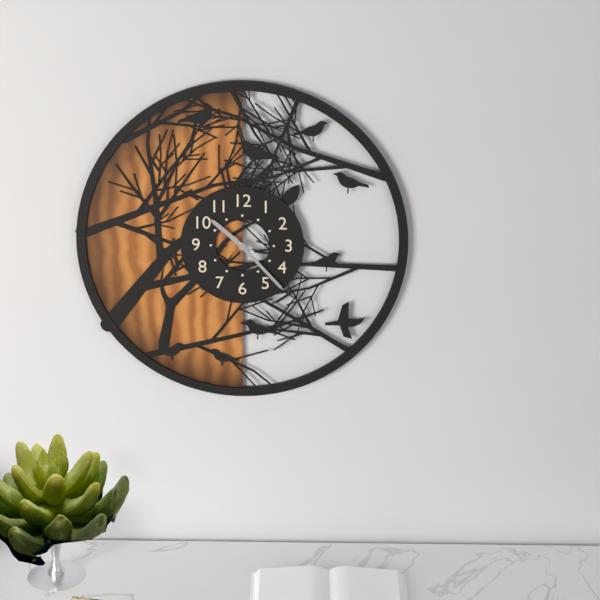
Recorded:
{"hour": 10, "minute": 23}
